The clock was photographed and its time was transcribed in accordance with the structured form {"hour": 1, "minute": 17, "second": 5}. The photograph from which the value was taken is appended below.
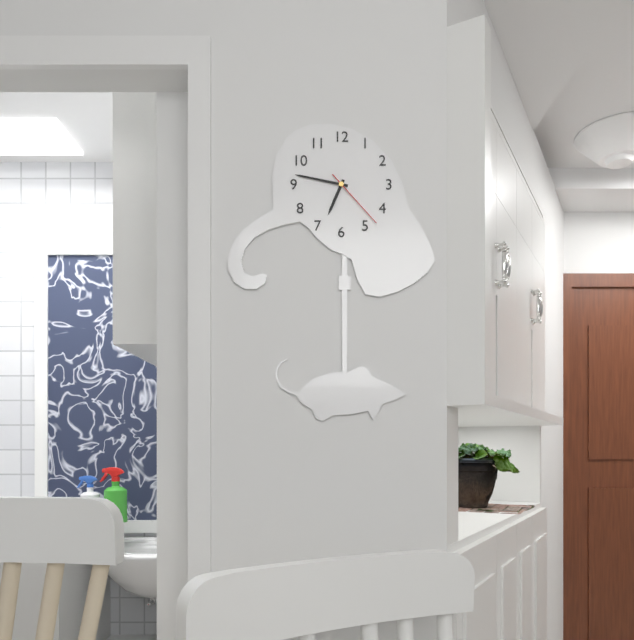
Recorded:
{"hour": 6, "minute": 47, "second": 23}
